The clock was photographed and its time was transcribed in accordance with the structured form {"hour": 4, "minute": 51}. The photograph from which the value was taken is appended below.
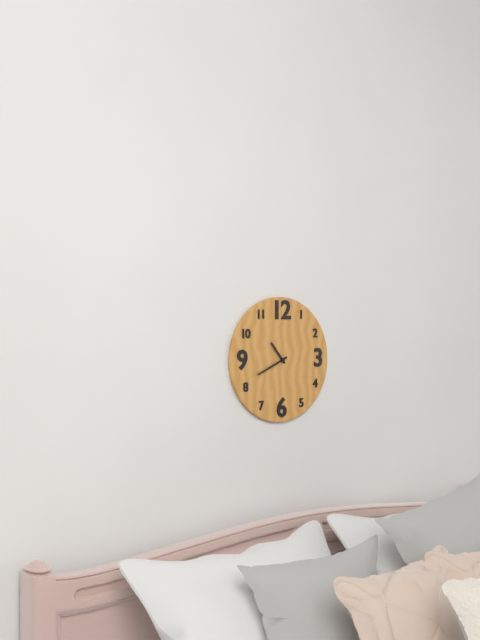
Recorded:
{"hour": 10, "minute": 41}
